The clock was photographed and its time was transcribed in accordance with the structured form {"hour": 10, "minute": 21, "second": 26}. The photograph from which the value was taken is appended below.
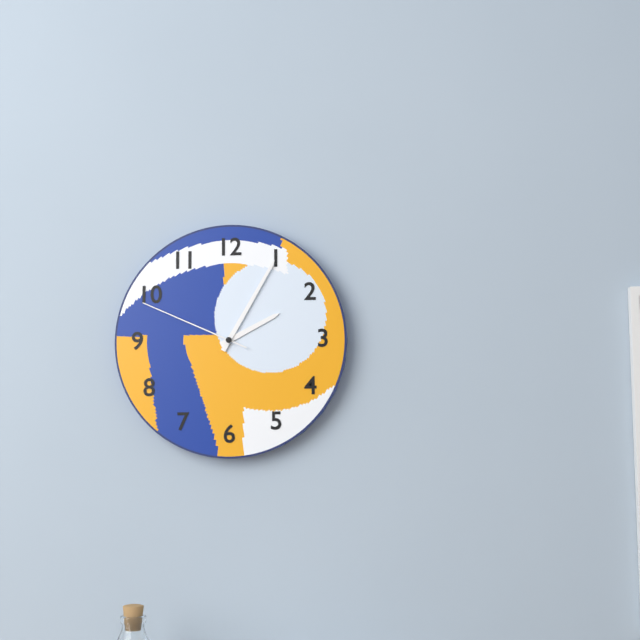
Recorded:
{"hour": 2, "minute": 5, "second": 49}
